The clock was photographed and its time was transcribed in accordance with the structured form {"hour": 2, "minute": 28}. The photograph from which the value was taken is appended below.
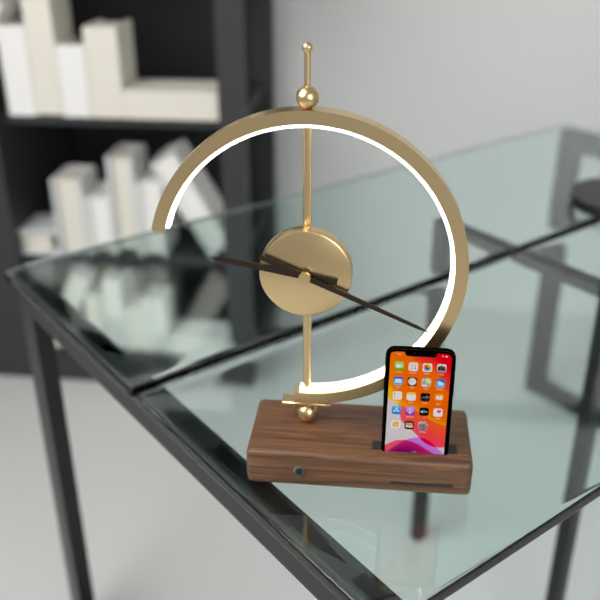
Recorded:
{"hour": 9, "minute": 19}
